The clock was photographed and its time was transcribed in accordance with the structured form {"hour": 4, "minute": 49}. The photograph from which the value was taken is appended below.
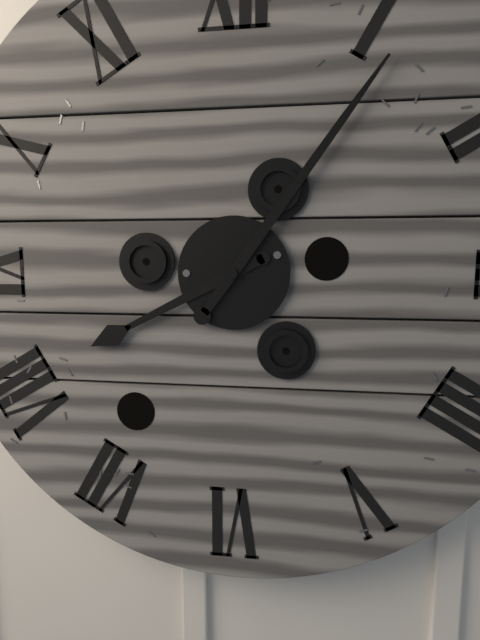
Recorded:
{"hour": 8, "minute": 6}
